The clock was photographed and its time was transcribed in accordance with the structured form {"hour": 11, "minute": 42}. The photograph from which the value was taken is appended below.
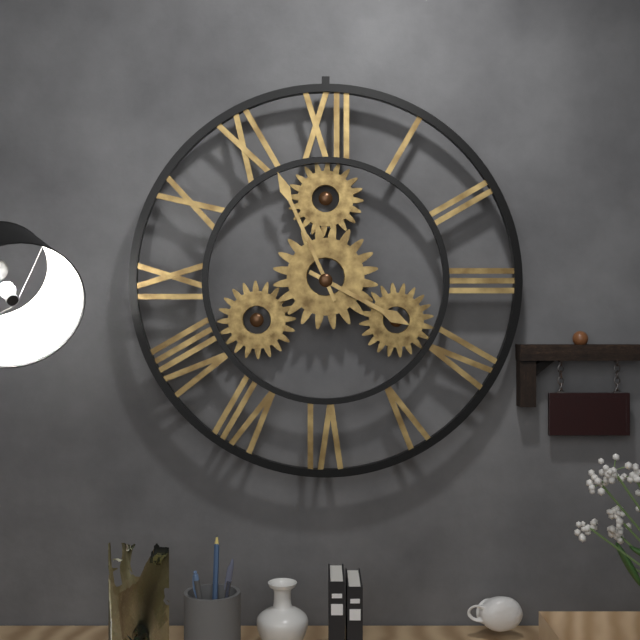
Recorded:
{"hour": 3, "minute": 56}
